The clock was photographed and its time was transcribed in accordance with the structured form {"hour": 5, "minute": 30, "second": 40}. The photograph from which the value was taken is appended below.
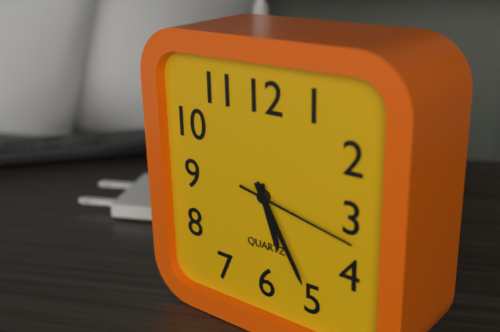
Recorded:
{"hour": 5, "minute": 25, "second": 17}
